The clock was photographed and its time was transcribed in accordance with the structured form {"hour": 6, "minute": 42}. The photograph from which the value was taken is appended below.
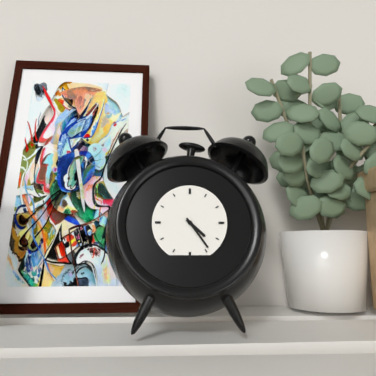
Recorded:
{"hour": 4, "minute": 24}
